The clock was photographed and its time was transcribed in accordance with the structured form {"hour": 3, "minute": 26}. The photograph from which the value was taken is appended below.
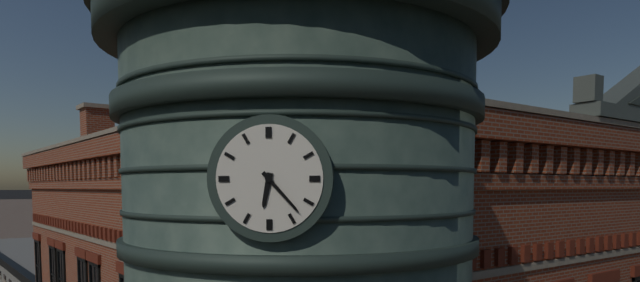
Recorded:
{"hour": 6, "minute": 23}
